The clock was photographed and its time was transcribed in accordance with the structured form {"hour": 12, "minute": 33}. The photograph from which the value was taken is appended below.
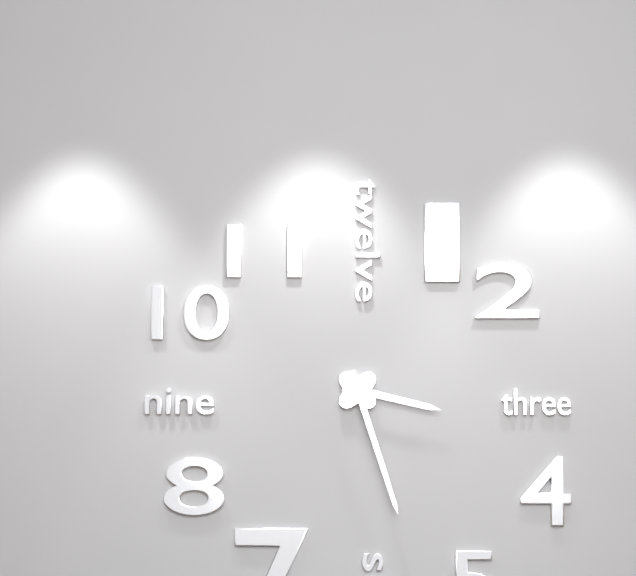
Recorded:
{"hour": 3, "minute": 27}
